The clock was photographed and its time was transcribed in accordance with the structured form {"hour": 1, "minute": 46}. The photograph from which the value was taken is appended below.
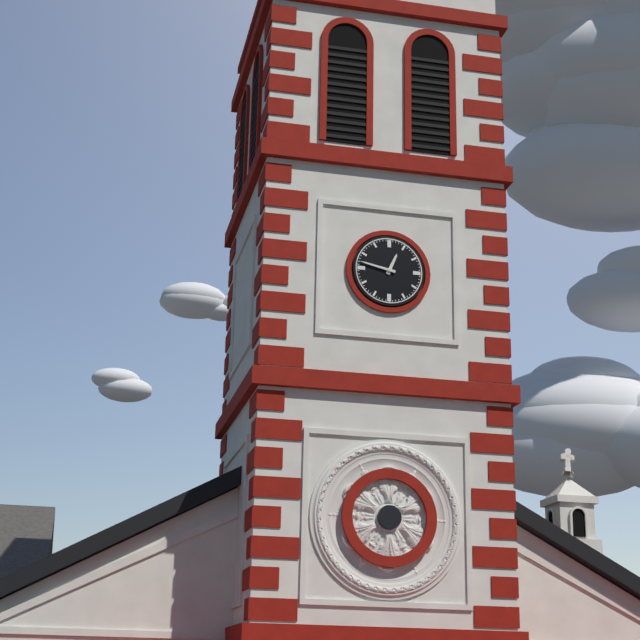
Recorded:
{"hour": 12, "minute": 47}
